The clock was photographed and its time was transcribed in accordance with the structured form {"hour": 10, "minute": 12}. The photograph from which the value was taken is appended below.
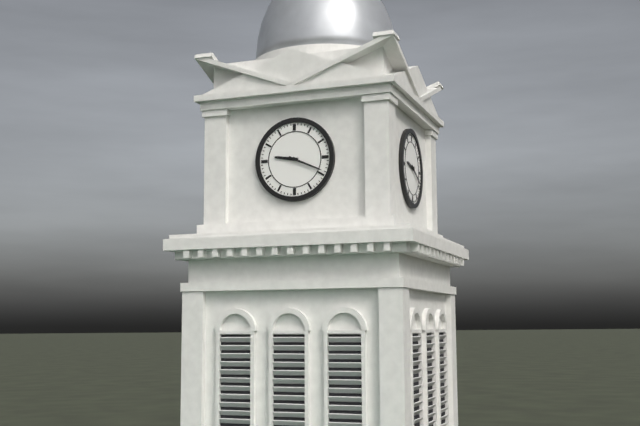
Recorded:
{"hour": 9, "minute": 19}
